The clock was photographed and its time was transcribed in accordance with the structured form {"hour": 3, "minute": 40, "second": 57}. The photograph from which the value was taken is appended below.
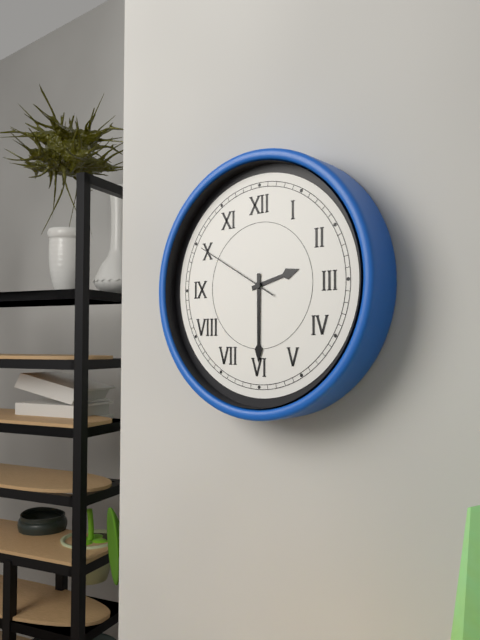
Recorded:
{"hour": 2, "minute": 30, "second": 50}
